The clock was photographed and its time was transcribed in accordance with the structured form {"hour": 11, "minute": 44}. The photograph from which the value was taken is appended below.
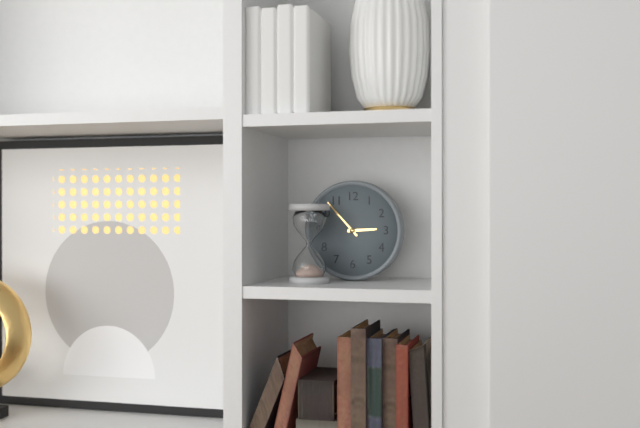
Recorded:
{"hour": 2, "minute": 53}
